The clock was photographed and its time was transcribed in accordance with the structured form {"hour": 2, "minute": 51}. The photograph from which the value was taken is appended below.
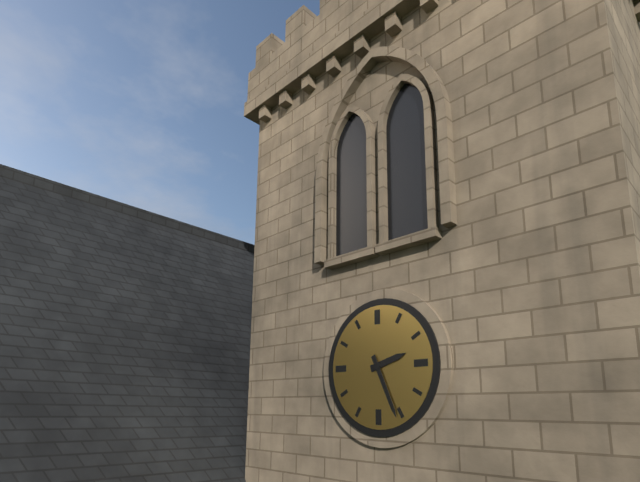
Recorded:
{"hour": 2, "minute": 26}
